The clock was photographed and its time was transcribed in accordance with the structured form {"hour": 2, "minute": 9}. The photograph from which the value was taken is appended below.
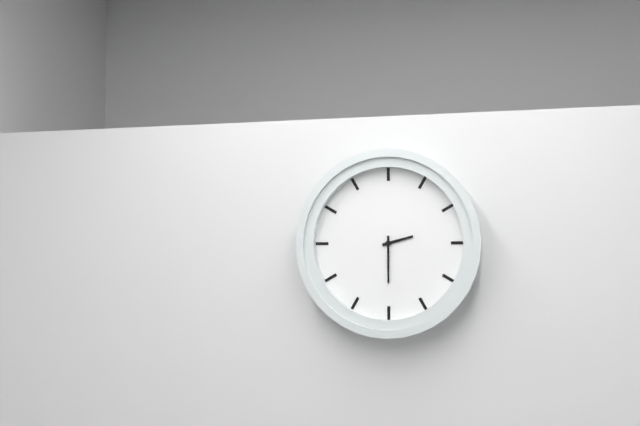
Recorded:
{"hour": 2, "minute": 30}
